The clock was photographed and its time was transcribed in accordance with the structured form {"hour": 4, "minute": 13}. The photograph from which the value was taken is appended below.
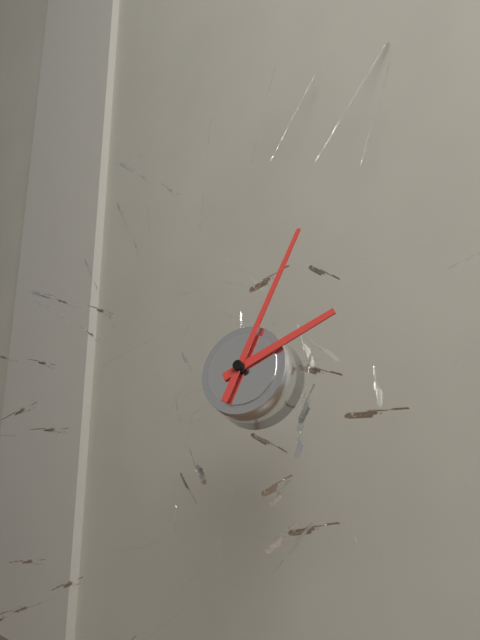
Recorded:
{"hour": 2, "minute": 3}
